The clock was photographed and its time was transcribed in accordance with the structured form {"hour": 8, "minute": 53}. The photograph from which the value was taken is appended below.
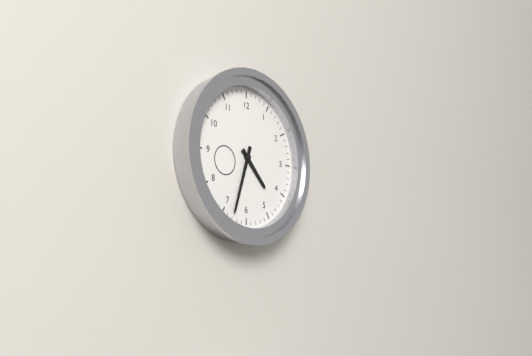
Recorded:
{"hour": 4, "minute": 33}
